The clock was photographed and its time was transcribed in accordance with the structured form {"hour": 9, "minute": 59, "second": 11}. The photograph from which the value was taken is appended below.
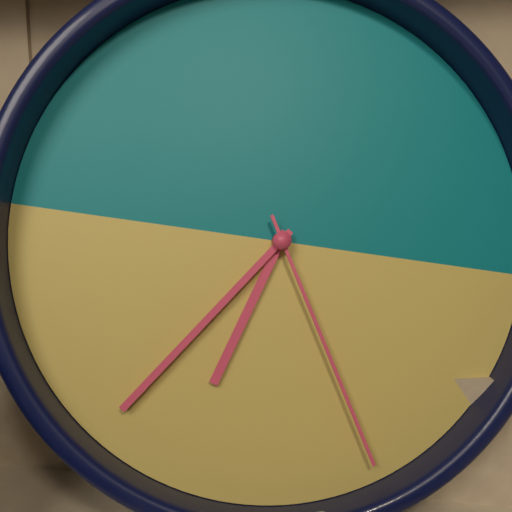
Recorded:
{"hour": 6, "minute": 36, "second": 25}
